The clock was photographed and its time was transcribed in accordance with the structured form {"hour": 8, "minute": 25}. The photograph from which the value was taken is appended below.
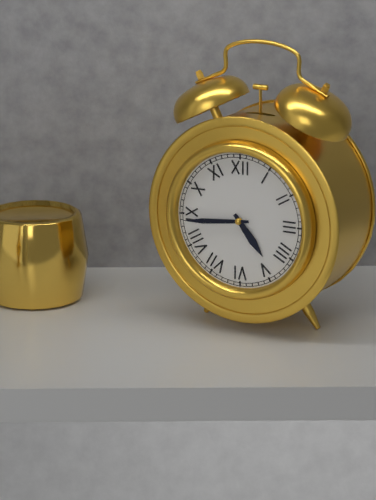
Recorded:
{"hour": 4, "minute": 44}
